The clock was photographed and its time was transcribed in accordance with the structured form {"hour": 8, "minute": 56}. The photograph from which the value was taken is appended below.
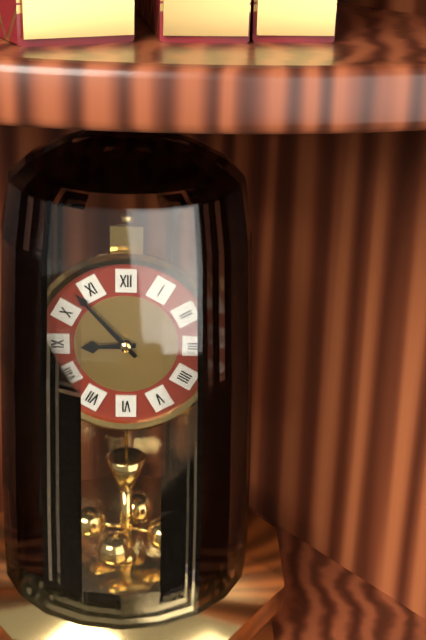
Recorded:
{"hour": 8, "minute": 53}
